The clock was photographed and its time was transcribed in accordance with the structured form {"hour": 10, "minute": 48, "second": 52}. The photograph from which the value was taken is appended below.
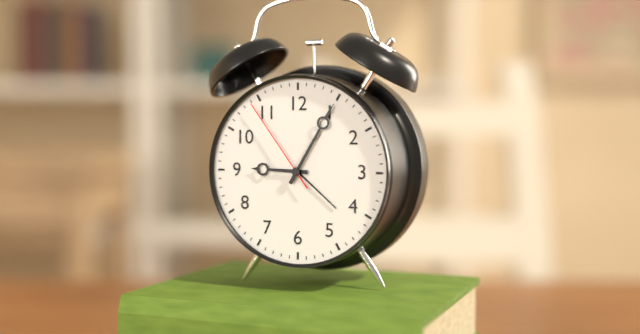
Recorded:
{"hour": 9, "minute": 5, "second": 54}
